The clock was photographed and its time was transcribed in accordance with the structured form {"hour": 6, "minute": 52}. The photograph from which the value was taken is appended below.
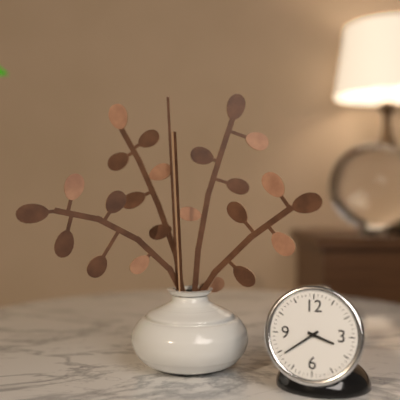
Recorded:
{"hour": 3, "minute": 39}
